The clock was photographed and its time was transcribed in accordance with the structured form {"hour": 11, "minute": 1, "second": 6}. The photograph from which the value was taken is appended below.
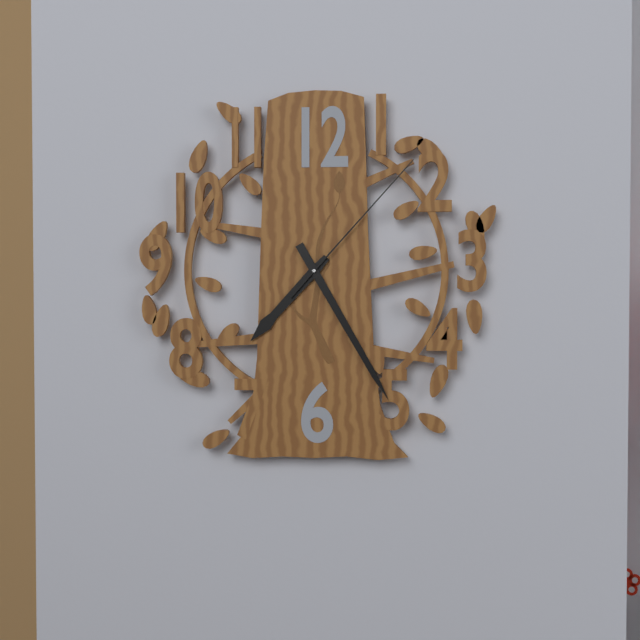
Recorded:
{"hour": 7, "minute": 25, "second": 7}
